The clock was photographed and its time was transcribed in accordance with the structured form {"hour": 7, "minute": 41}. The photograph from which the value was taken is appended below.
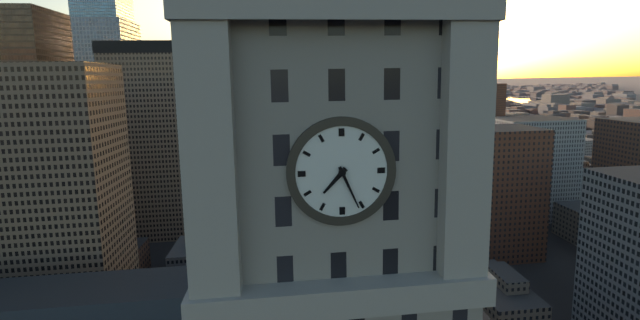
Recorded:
{"hour": 7, "minute": 26}
